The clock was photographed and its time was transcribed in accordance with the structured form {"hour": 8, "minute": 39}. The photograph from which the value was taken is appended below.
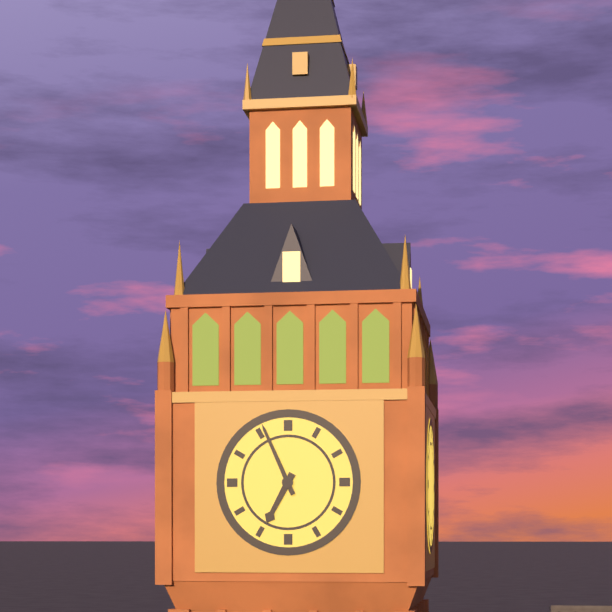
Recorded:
{"hour": 6, "minute": 56}
